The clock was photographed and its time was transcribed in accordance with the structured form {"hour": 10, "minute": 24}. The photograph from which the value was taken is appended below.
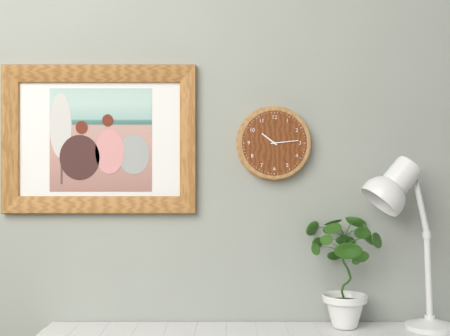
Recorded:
{"hour": 10, "minute": 14}
